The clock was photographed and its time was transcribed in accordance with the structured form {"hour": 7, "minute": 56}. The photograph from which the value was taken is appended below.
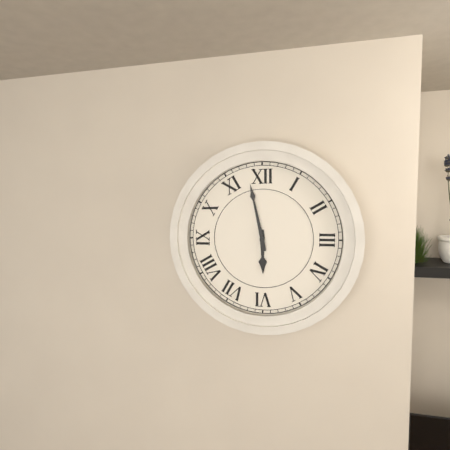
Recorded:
{"hour": 5, "minute": 58}
